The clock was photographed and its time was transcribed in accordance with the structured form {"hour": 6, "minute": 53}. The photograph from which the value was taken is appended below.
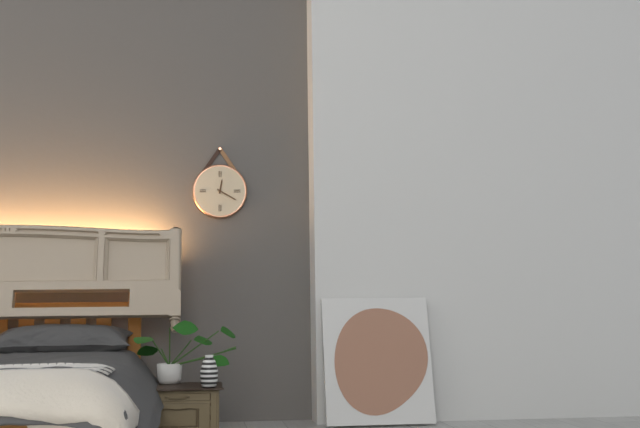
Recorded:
{"hour": 12, "minute": 20}
